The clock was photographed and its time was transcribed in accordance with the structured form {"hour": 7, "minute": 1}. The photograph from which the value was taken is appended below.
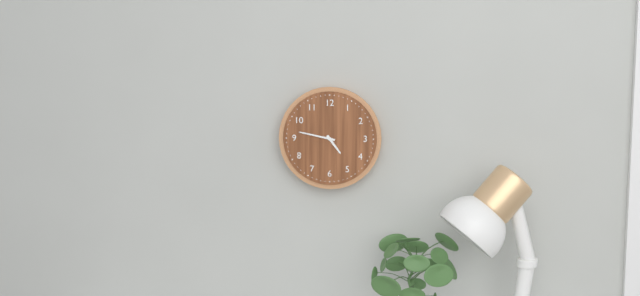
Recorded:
{"hour": 4, "minute": 47}
